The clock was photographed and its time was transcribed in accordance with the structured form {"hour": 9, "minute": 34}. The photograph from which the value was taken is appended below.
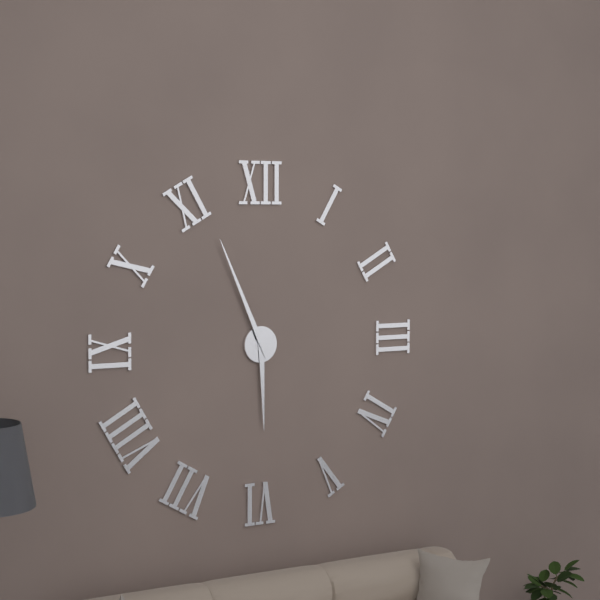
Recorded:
{"hour": 5, "minute": 56}
